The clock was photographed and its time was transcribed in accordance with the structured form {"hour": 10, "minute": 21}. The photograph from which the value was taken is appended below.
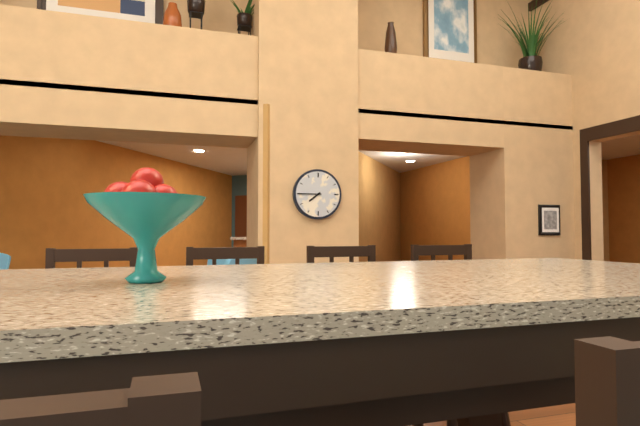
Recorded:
{"hour": 7, "minute": 45}
